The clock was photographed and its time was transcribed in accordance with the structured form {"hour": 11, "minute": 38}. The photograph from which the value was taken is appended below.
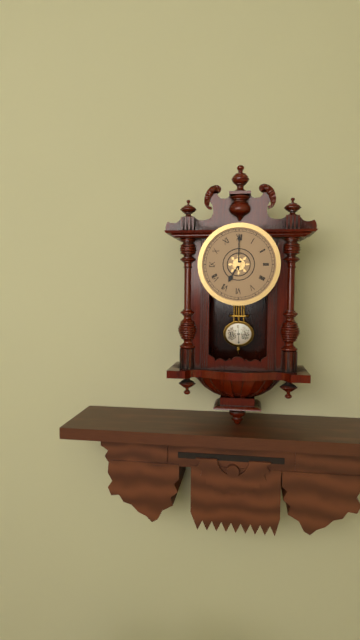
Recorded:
{"hour": 7, "minute": 0}
